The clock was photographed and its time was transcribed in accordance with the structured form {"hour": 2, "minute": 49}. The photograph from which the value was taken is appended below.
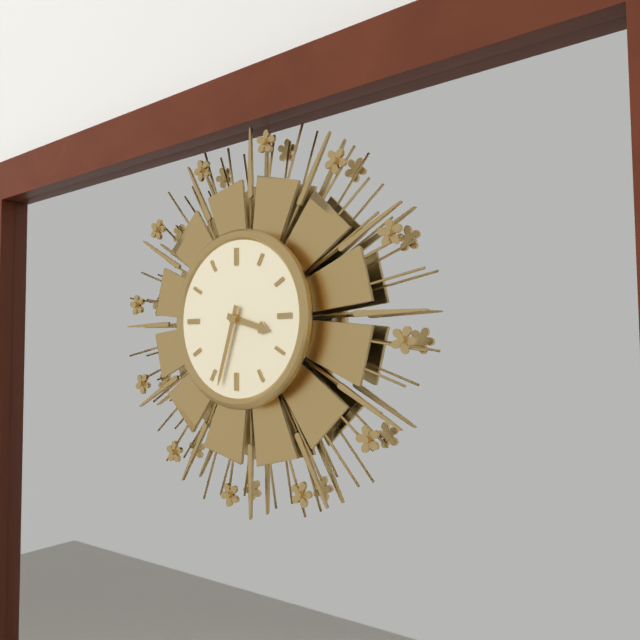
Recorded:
{"hour": 3, "minute": 33}
